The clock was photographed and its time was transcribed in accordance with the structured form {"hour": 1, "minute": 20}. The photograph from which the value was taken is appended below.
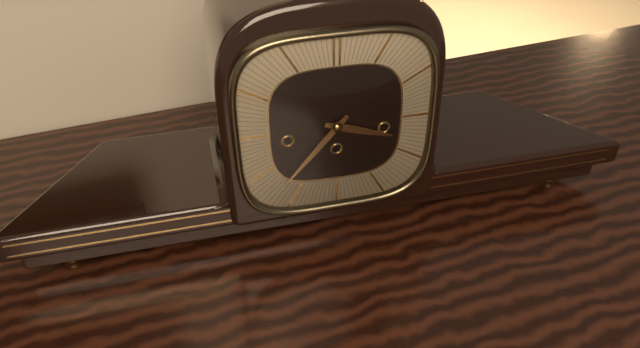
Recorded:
{"hour": 3, "minute": 37}
